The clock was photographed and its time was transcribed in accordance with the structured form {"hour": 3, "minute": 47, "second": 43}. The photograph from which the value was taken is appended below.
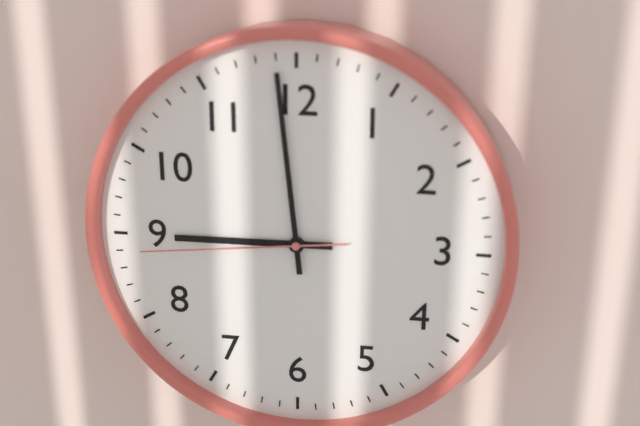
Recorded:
{"hour": 8, "minute": 59, "second": 44}
